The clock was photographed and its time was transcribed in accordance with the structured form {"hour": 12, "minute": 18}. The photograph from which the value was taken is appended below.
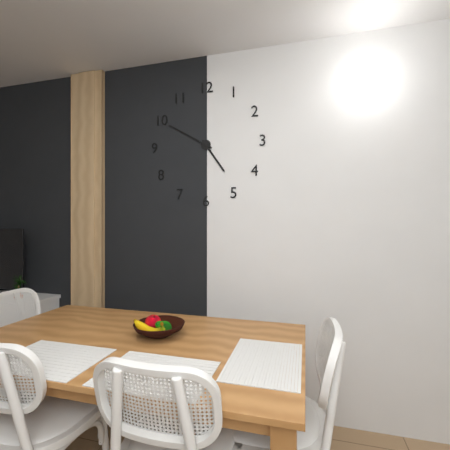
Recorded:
{"hour": 4, "minute": 50}
